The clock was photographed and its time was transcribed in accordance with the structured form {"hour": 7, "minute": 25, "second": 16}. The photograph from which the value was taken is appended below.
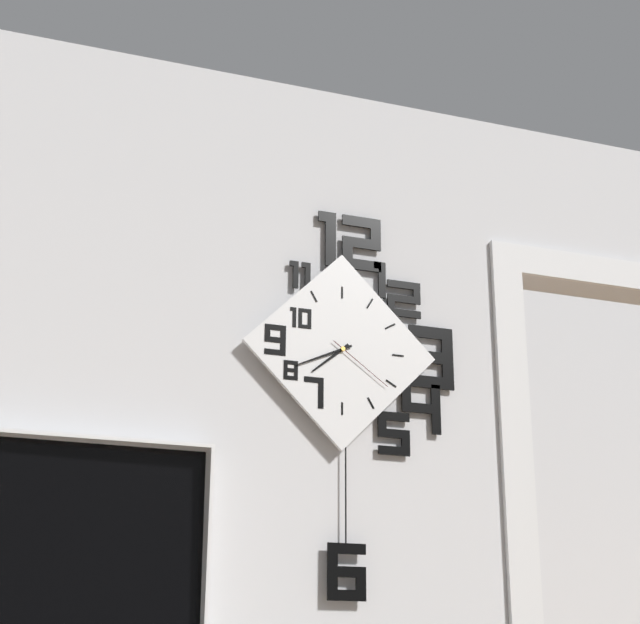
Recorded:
{"hour": 7, "minute": 41, "second": 21}
